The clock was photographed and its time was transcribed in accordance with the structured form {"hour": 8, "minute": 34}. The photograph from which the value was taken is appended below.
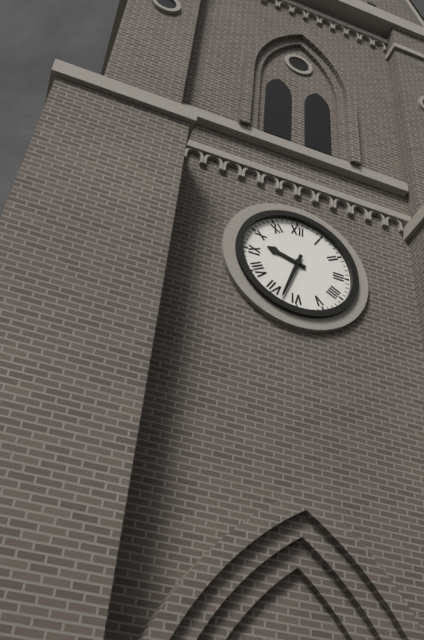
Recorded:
{"hour": 9, "minute": 33}
